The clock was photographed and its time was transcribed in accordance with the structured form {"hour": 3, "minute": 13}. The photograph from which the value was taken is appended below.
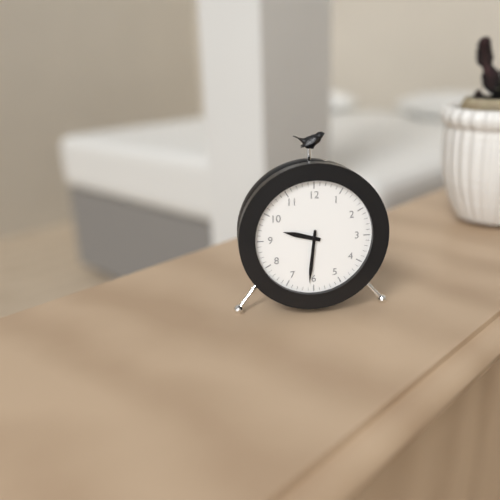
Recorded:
{"hour": 9, "minute": 31}
